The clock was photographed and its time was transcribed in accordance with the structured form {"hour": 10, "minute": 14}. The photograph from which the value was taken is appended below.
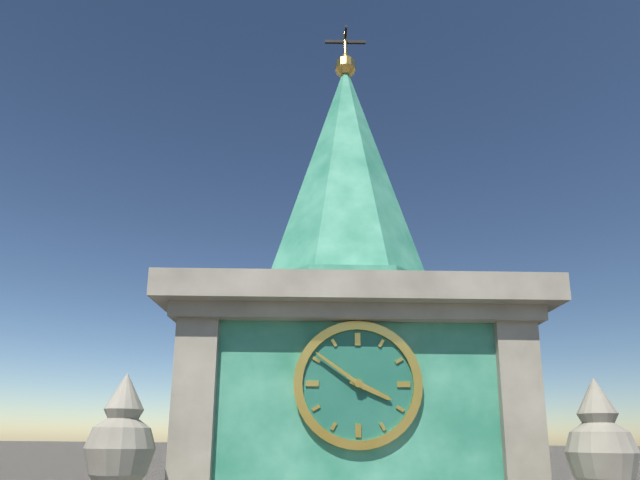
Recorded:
{"hour": 3, "minute": 51}
